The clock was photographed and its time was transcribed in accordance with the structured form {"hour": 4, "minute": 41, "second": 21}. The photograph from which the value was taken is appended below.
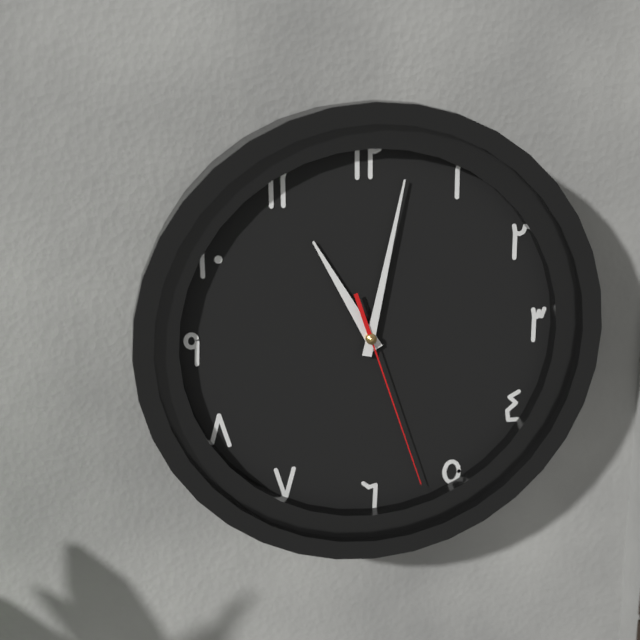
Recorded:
{"hour": 11, "minute": 2, "second": 27}
